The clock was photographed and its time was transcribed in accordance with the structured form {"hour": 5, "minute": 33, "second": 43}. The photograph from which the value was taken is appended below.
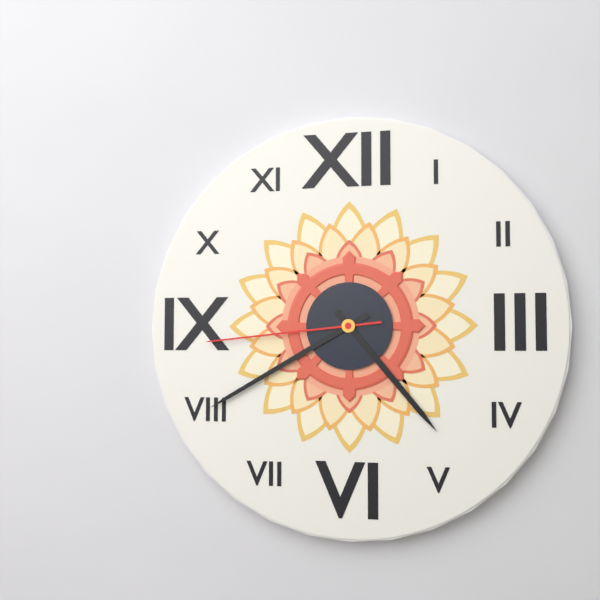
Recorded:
{"hour": 4, "minute": 40, "second": 44}
